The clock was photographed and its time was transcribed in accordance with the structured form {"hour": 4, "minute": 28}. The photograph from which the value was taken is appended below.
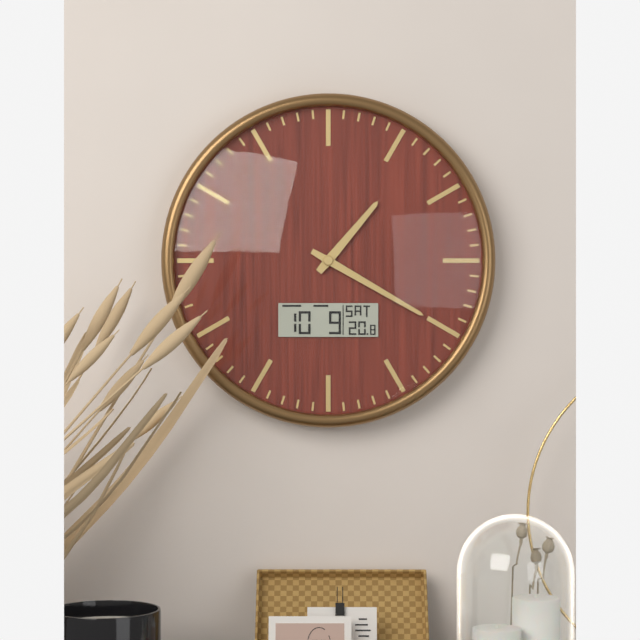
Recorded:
{"hour": 1, "minute": 20}
